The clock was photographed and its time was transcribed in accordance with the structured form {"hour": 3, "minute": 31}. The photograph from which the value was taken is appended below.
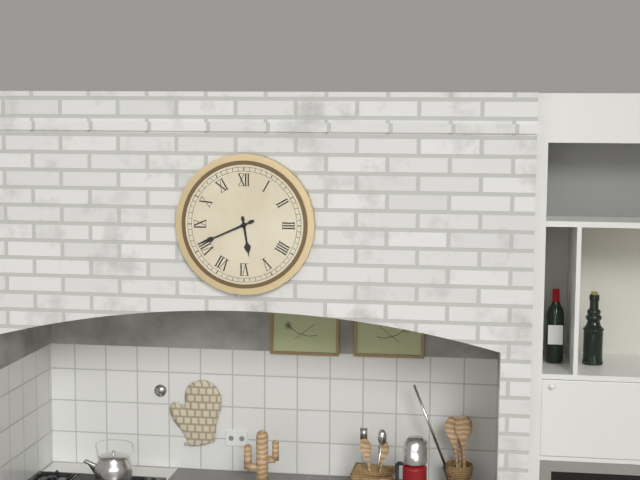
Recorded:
{"hour": 5, "minute": 41}
